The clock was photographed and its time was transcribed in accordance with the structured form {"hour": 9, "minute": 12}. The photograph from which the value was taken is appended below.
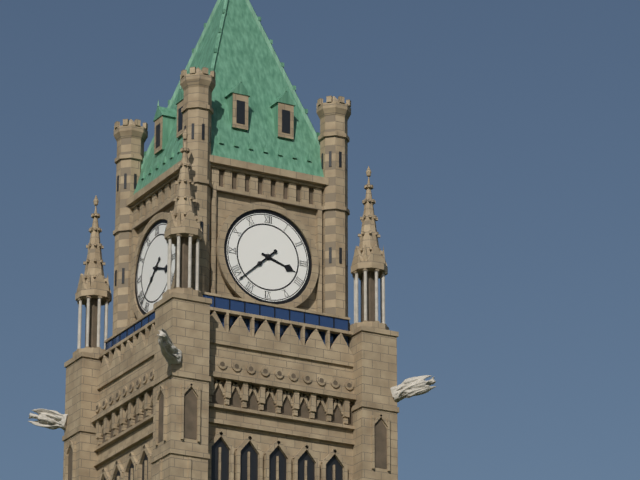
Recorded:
{"hour": 3, "minute": 38}
